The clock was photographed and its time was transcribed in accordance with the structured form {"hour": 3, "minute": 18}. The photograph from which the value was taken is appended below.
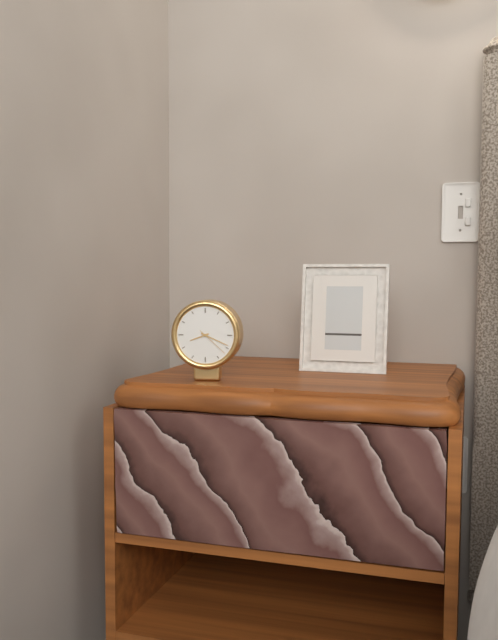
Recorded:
{"hour": 8, "minute": 19}
